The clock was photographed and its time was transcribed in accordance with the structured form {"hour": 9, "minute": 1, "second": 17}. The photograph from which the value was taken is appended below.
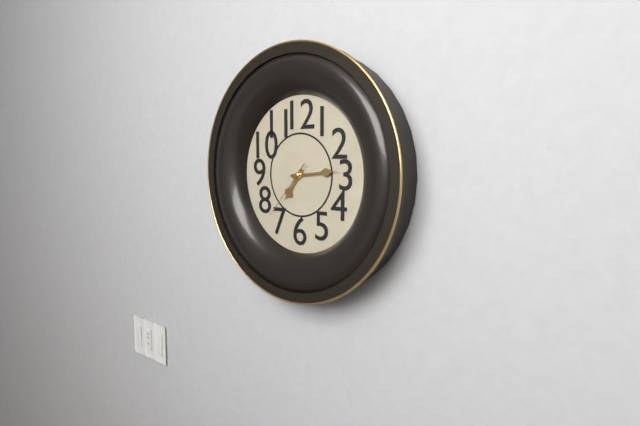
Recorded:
{"hour": 7, "minute": 14, "second": 37}
